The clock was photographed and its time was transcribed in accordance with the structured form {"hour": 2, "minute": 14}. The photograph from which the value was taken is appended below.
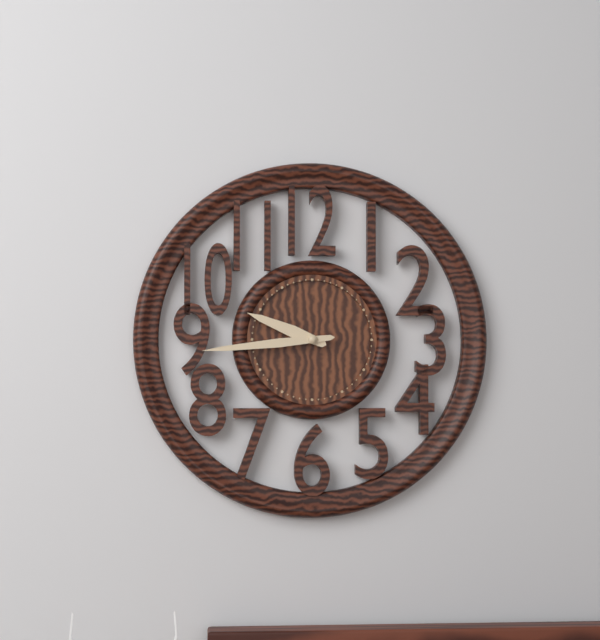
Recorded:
{"hour": 9, "minute": 44}
